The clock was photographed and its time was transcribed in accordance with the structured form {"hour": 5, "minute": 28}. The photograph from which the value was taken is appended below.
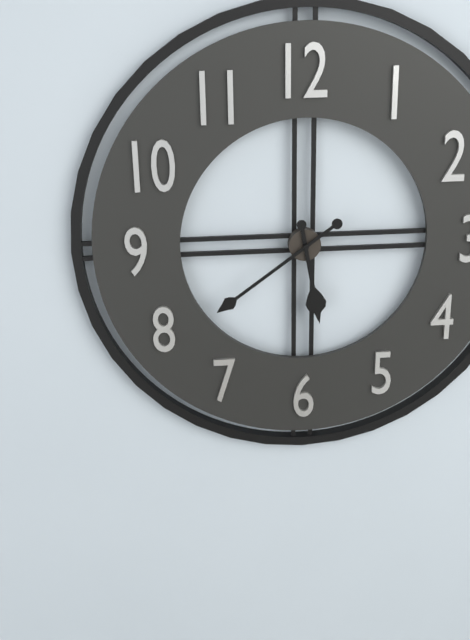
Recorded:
{"hour": 5, "minute": 39}
